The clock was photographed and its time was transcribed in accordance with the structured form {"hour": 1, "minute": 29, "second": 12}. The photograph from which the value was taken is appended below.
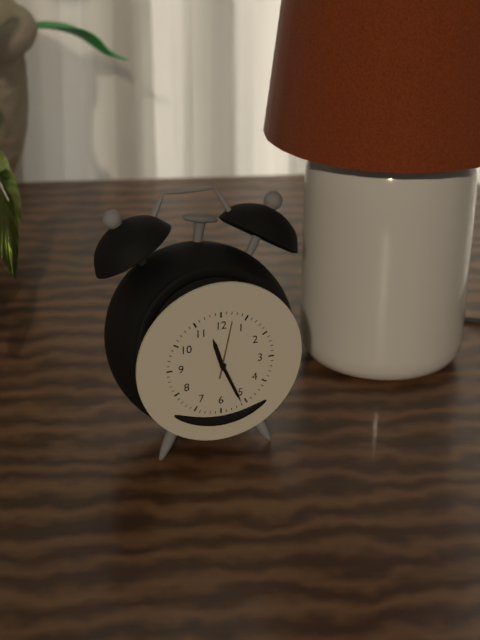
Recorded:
{"hour": 11, "minute": 26, "second": 2}
